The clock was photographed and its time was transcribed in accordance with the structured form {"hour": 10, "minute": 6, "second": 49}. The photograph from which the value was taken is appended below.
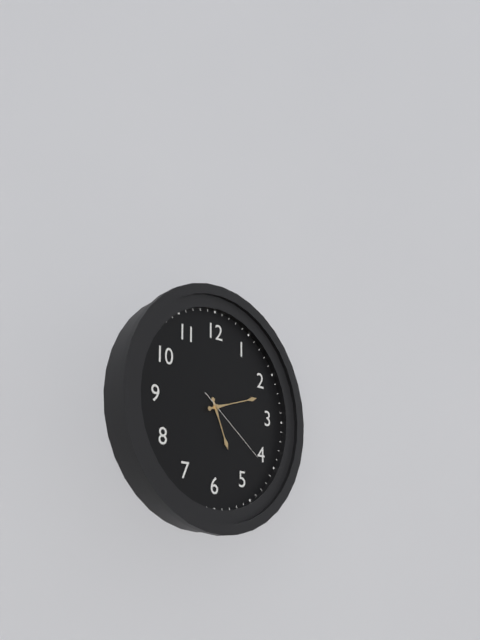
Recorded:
{"hour": 5, "minute": 12, "second": 21}
